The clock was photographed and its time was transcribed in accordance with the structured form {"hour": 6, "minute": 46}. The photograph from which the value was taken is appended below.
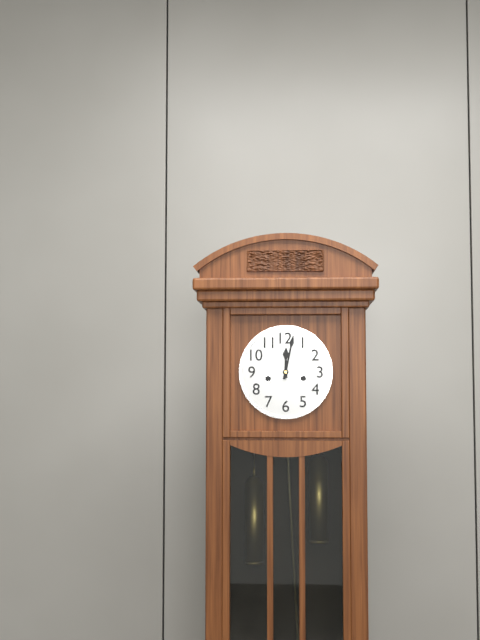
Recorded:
{"hour": 12, "minute": 2}
